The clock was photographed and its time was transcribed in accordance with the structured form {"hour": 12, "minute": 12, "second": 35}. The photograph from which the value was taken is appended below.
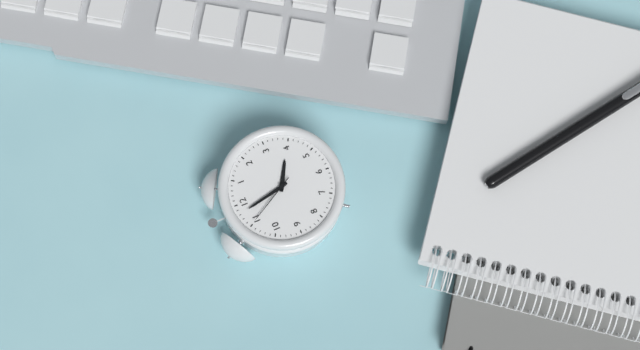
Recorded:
{"hour": 3, "minute": 58, "second": 55}
